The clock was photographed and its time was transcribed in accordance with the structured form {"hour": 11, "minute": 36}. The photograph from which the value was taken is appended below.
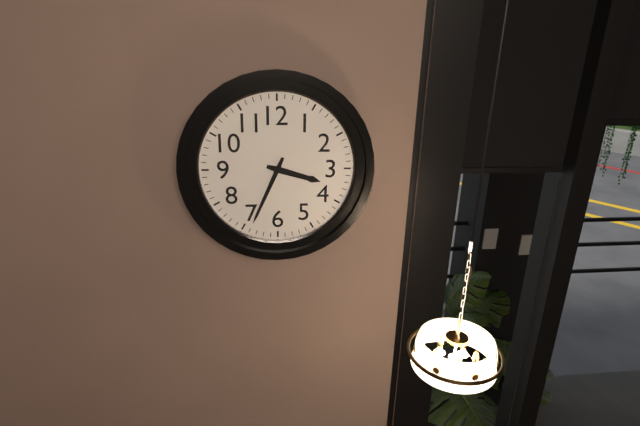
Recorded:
{"hour": 3, "minute": 34}
